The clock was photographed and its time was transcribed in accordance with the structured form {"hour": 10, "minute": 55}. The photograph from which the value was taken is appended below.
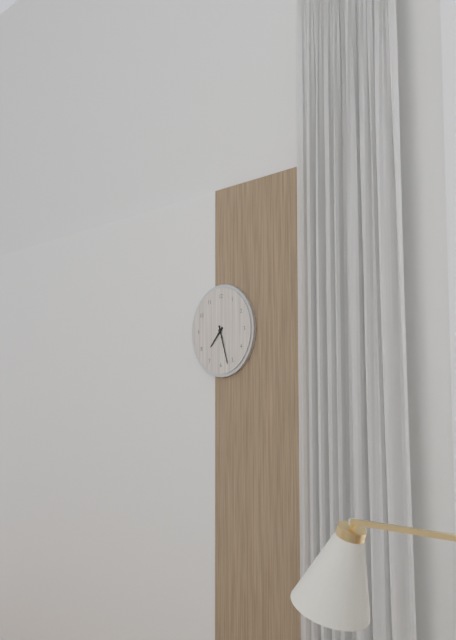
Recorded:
{"hour": 7, "minute": 27}
